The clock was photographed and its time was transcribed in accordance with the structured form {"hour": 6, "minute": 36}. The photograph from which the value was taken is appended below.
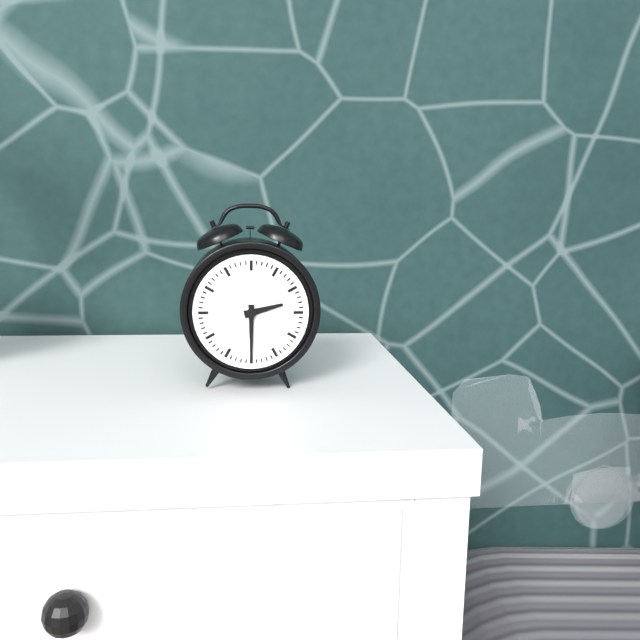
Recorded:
{"hour": 2, "minute": 30}
